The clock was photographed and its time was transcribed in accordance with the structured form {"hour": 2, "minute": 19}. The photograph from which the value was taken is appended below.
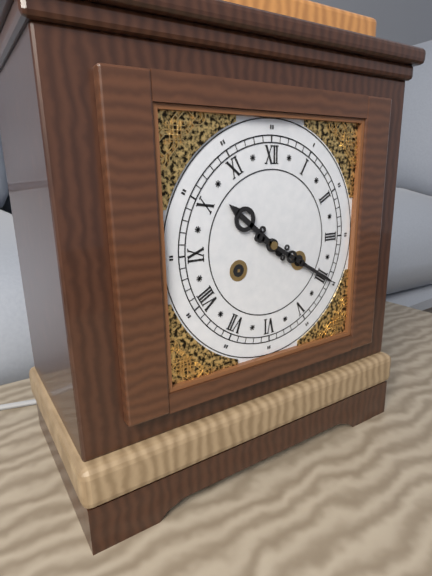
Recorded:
{"hour": 10, "minute": 20}
